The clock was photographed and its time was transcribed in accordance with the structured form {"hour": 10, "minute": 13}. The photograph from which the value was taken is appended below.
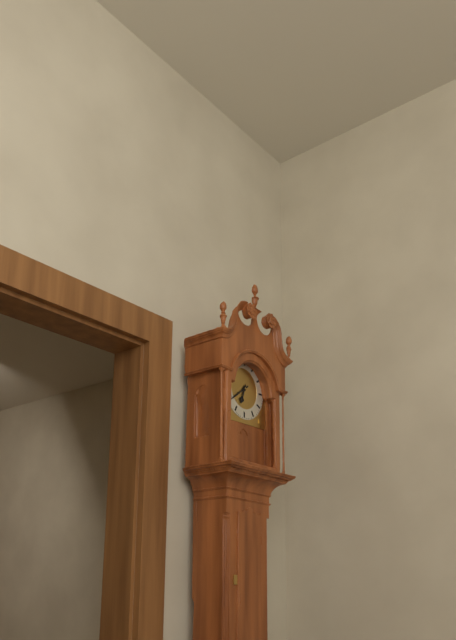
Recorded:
{"hour": 6, "minute": 39}
